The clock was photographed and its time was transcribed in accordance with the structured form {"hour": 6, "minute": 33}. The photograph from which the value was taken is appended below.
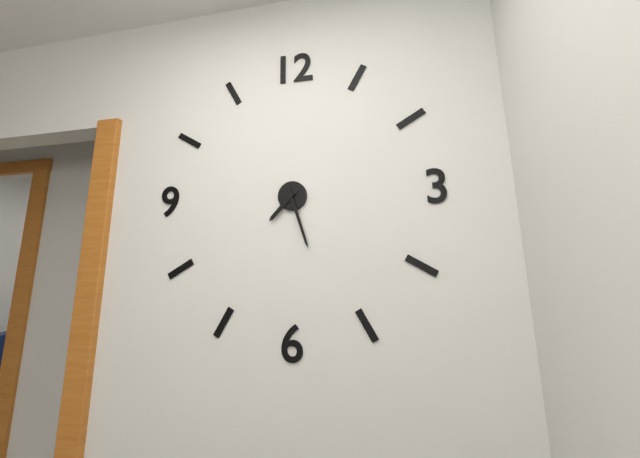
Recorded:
{"hour": 7, "minute": 27}
